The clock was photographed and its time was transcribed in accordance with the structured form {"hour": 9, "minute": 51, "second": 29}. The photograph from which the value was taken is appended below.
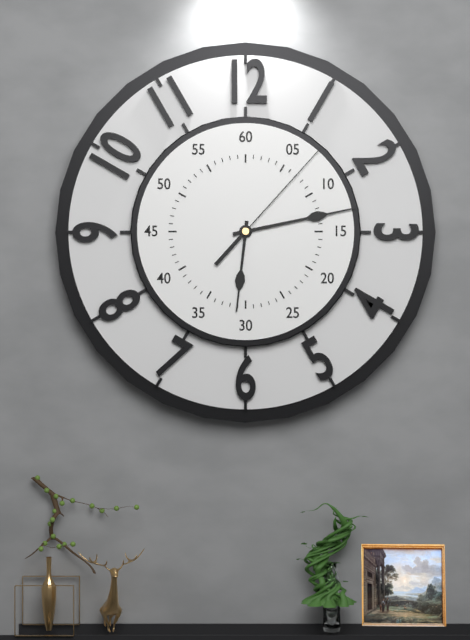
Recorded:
{"hour": 6, "minute": 13, "second": 7}
